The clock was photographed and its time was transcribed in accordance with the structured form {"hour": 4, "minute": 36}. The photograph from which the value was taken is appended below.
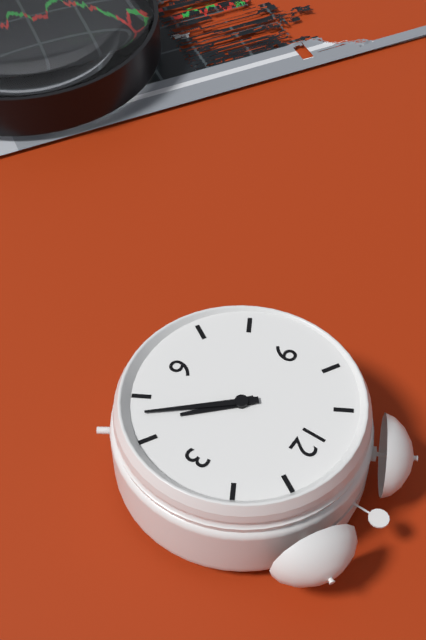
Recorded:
{"hour": 4, "minute": 23}
